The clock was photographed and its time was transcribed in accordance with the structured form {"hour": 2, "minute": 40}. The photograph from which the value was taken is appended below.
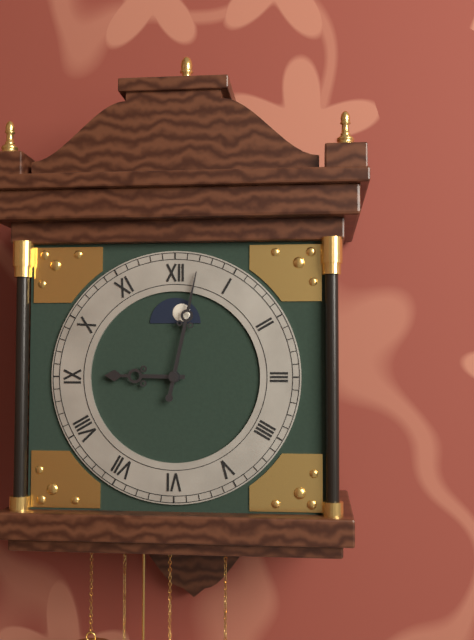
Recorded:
{"hour": 9, "minute": 2}
